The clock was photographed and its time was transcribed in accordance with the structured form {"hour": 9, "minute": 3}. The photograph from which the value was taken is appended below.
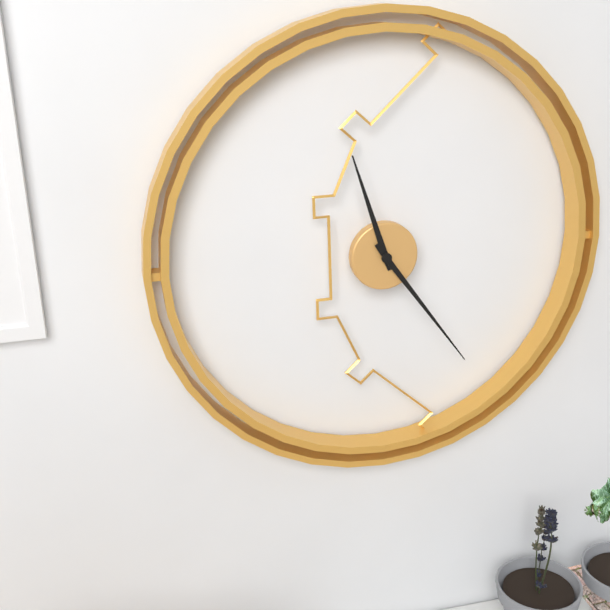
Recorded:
{"hour": 11, "minute": 24}
